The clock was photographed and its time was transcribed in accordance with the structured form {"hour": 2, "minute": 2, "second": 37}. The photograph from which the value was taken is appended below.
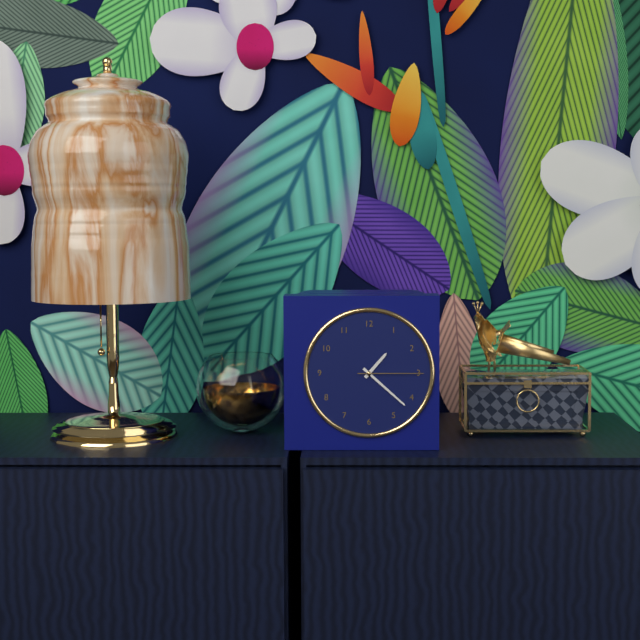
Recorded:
{"hour": 1, "minute": 22, "second": 15}
